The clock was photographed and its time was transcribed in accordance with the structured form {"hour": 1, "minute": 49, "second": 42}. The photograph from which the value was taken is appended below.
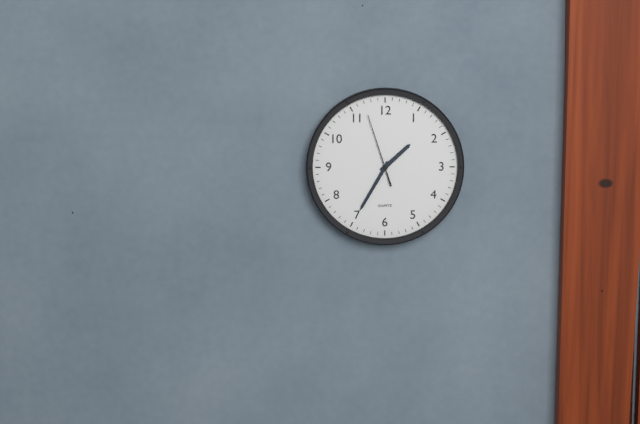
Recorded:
{"hour": 1, "minute": 35, "second": 57}
